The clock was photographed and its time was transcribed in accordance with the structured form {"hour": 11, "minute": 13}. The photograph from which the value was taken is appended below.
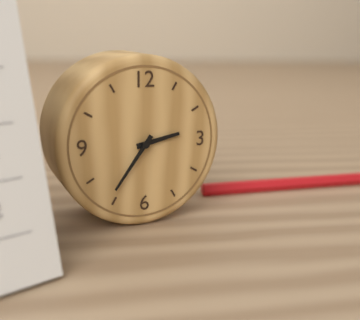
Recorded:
{"hour": 2, "minute": 36}
